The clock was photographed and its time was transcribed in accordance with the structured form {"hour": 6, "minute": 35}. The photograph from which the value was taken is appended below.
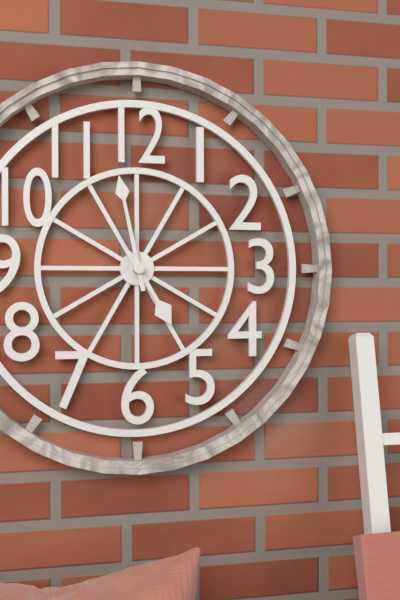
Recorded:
{"hour": 4, "minute": 58}
